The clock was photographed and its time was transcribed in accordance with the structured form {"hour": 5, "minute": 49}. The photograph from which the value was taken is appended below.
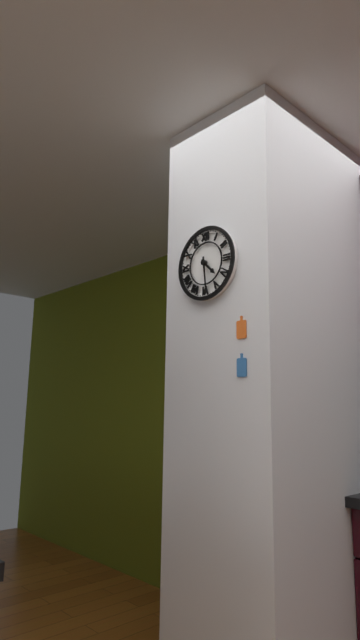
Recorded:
{"hour": 4, "minute": 29}
